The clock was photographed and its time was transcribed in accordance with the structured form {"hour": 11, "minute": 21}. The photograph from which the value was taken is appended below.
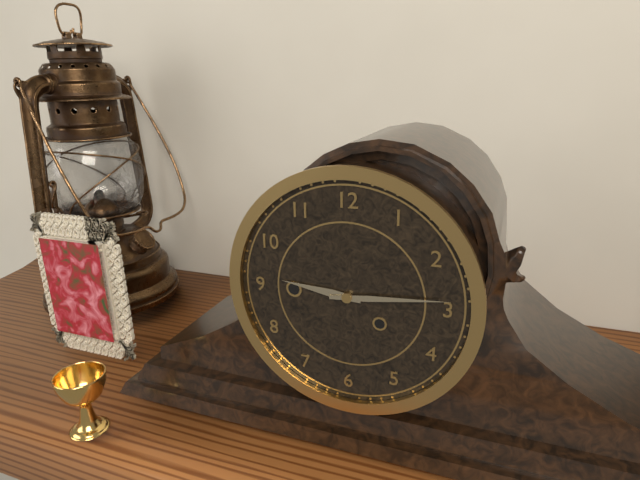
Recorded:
{"hour": 9, "minute": 14}
